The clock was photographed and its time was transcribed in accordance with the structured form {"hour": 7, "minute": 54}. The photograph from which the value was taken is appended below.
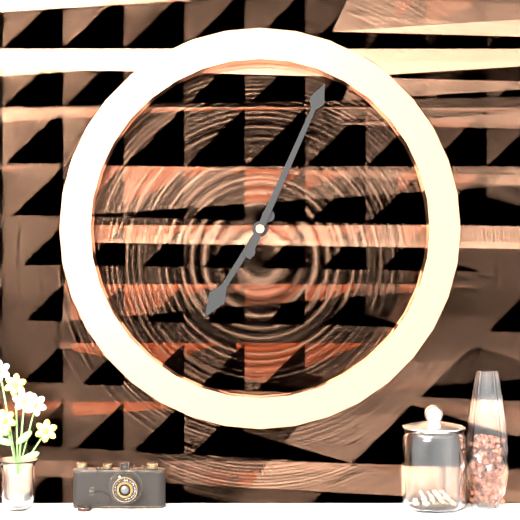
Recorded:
{"hour": 7, "minute": 4}
